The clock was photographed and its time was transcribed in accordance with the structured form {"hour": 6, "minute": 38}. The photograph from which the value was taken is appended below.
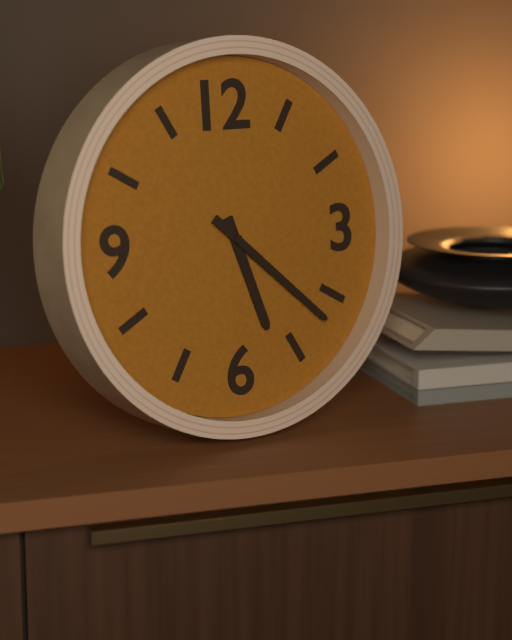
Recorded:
{"hour": 5, "minute": 22}
